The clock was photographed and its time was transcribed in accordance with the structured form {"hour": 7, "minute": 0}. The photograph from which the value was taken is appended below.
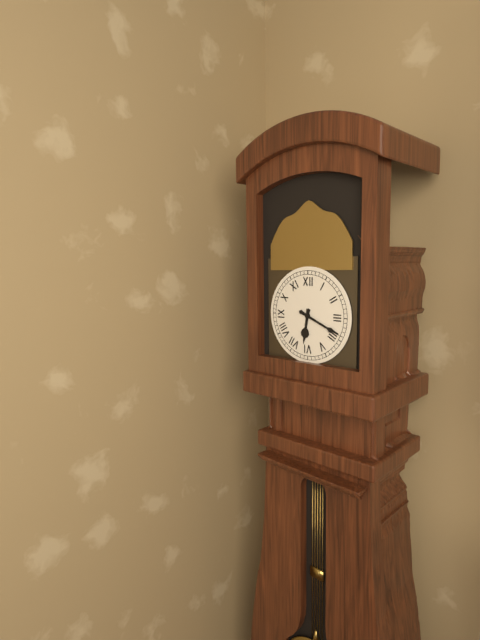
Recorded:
{"hour": 6, "minute": 19}
